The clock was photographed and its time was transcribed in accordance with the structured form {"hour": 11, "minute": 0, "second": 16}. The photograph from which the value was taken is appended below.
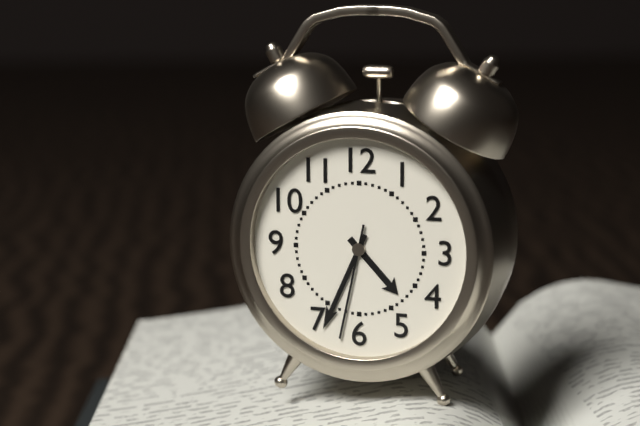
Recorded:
{"hour": 4, "minute": 34, "second": 32}
